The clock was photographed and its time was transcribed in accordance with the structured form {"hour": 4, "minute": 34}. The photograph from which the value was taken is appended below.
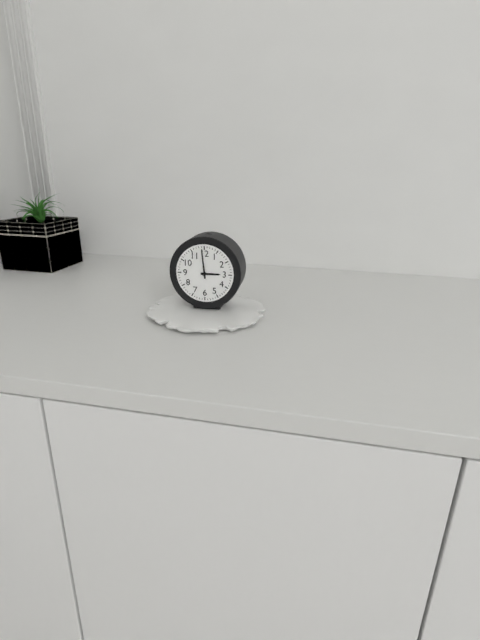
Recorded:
{"hour": 2, "minute": 59}
